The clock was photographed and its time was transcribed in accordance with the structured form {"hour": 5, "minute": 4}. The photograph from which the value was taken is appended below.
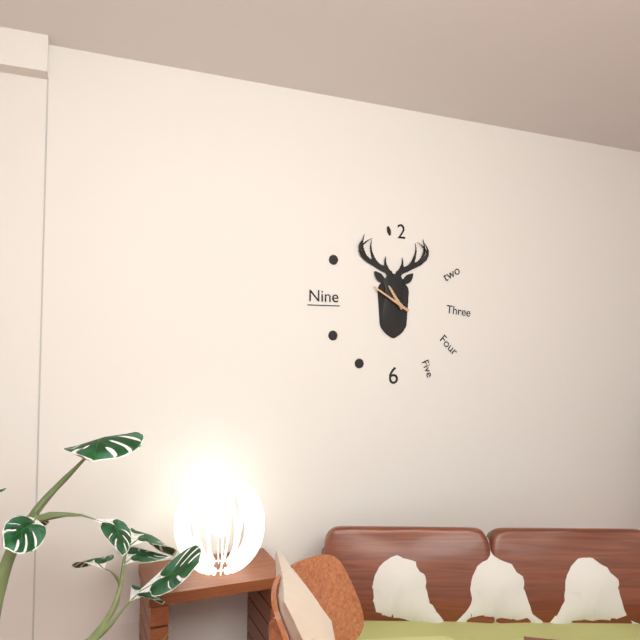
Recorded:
{"hour": 10, "minute": 50}
